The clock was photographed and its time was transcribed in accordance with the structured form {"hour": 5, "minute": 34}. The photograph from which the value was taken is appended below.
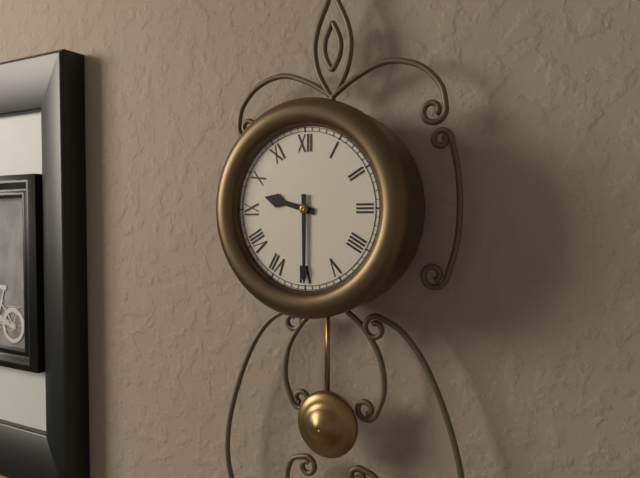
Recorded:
{"hour": 9, "minute": 30}
